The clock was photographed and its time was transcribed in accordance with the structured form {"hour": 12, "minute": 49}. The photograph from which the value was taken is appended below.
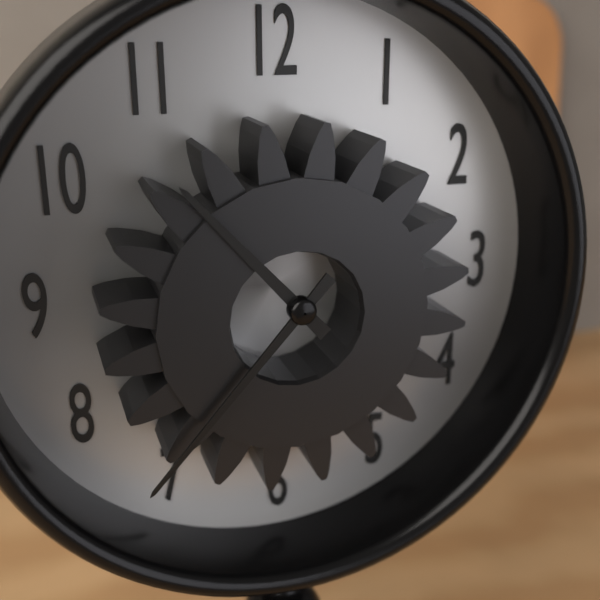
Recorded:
{"hour": 10, "minute": 37}
